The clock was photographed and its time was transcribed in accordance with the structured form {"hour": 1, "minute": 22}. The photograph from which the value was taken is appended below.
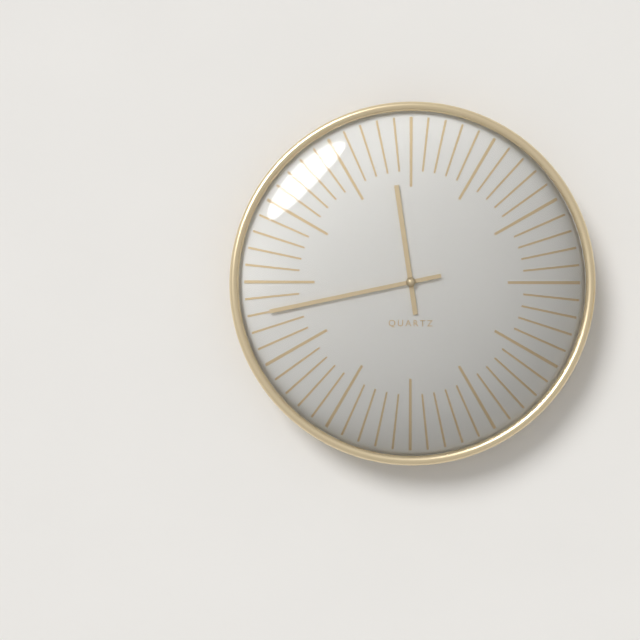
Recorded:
{"hour": 11, "minute": 43}
